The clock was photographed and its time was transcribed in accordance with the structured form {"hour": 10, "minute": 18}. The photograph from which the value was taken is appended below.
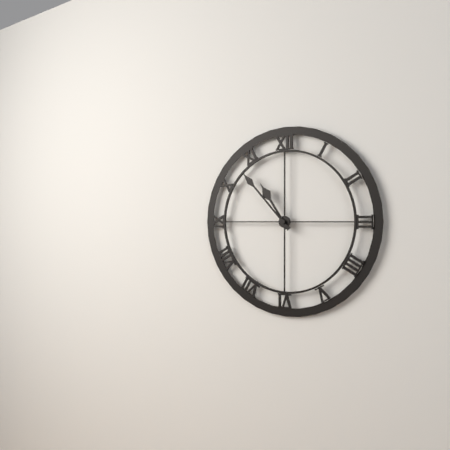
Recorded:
{"hour": 10, "minute": 53}
